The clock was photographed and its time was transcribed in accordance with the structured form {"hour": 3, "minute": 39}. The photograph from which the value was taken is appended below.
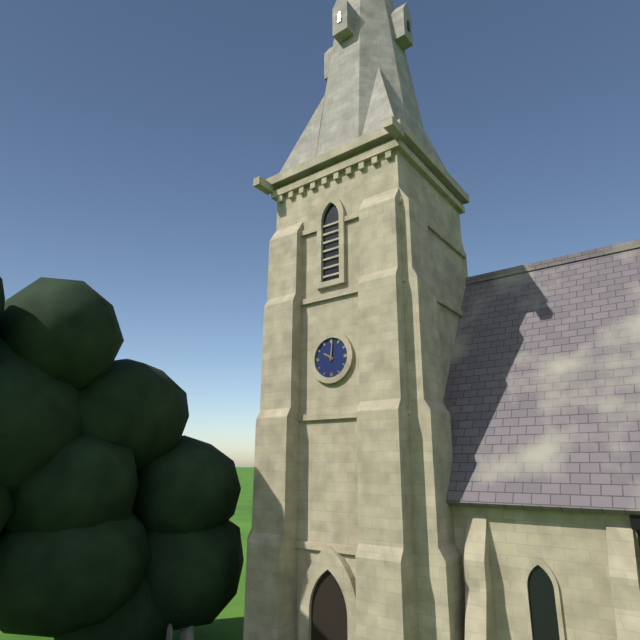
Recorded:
{"hour": 10, "minute": 1}
